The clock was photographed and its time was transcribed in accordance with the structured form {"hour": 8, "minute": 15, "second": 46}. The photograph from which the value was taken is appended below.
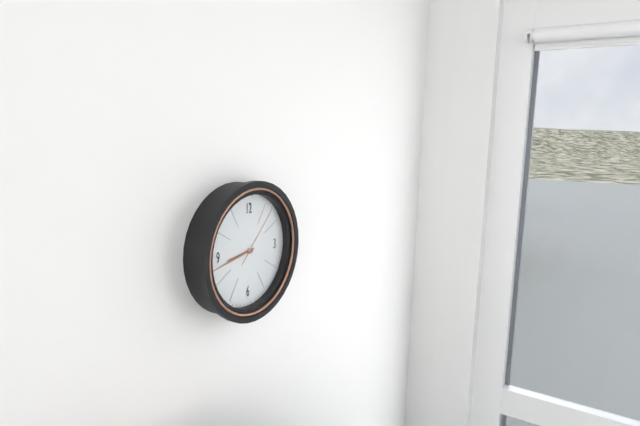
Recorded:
{"hour": 8, "minute": 43, "second": 7}
